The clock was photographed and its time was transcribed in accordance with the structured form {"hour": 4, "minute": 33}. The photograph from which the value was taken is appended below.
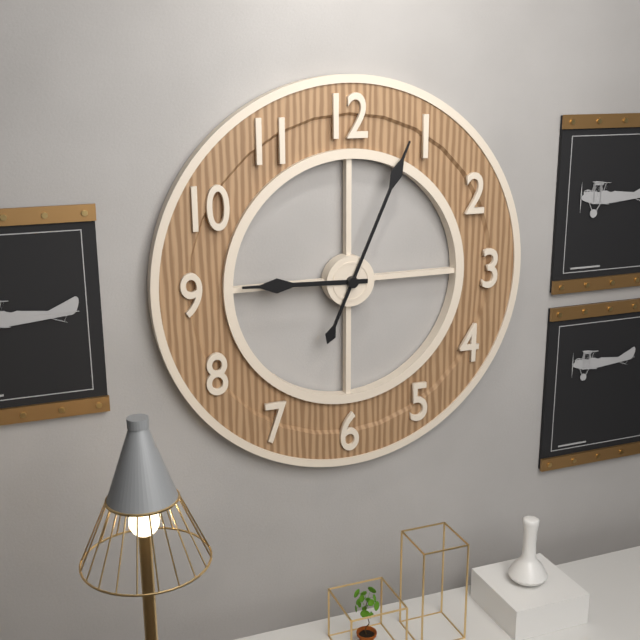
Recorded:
{"hour": 9, "minute": 4}
